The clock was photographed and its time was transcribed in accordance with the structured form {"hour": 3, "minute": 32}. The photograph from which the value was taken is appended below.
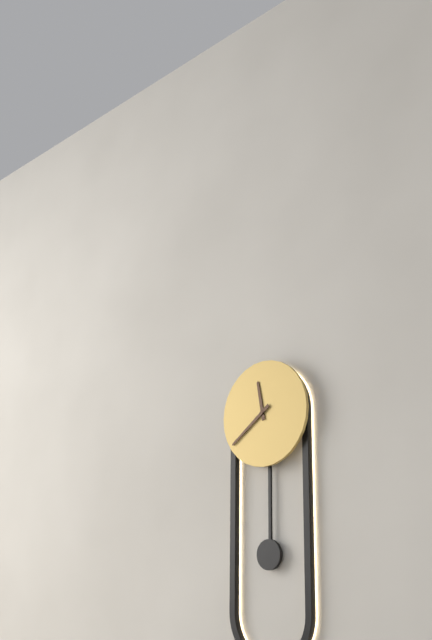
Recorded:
{"hour": 11, "minute": 39}
